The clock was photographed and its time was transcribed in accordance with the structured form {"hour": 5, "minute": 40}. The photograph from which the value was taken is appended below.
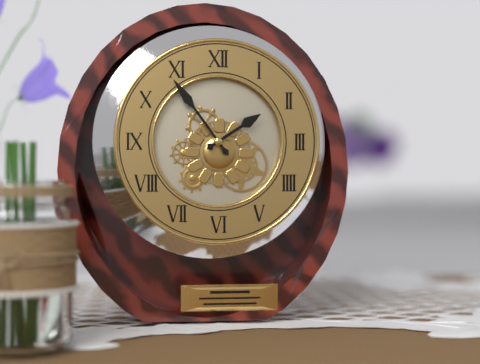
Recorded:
{"hour": 1, "minute": 54}
